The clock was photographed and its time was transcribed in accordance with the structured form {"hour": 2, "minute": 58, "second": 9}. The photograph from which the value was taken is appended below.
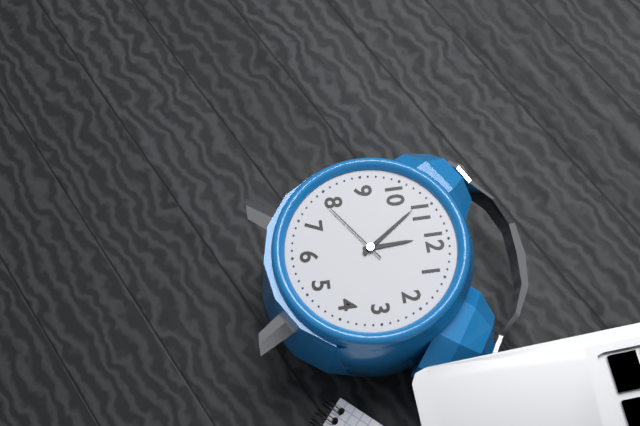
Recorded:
{"hour": 11, "minute": 54, "second": 39}
